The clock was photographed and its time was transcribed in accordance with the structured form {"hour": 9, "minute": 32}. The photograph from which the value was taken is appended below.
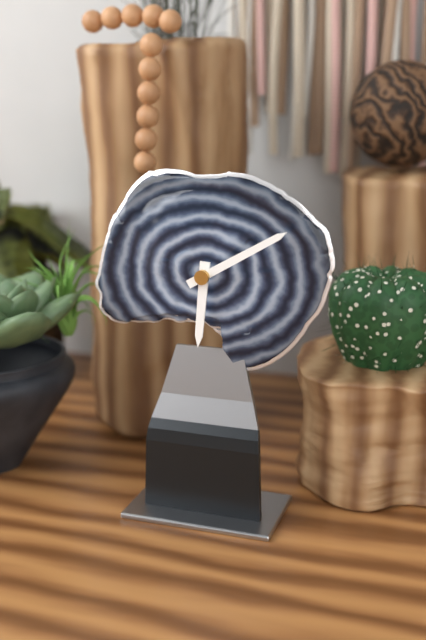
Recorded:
{"hour": 6, "minute": 10}
